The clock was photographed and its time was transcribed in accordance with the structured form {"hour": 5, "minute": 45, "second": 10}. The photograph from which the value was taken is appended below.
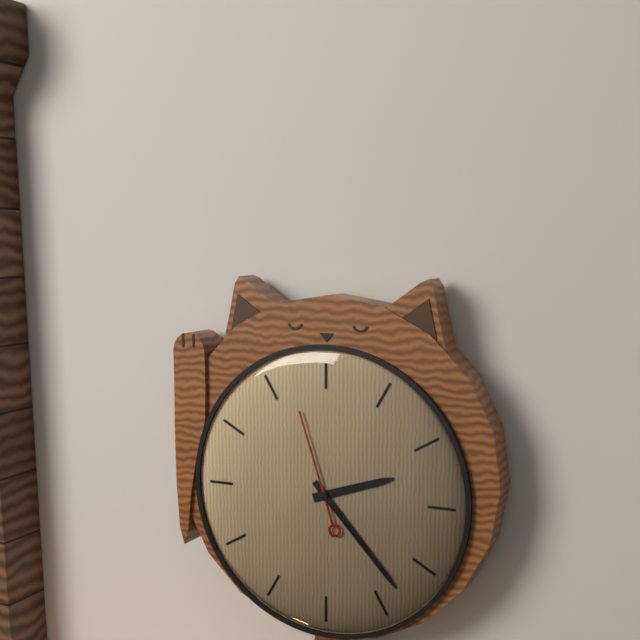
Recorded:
{"hour": 2, "minute": 23, "second": 57}
